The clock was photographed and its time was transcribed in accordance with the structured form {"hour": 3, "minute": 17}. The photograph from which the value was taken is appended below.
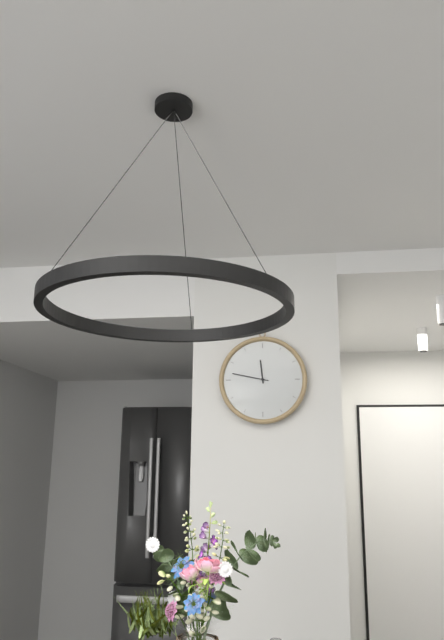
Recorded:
{"hour": 11, "minute": 47}
